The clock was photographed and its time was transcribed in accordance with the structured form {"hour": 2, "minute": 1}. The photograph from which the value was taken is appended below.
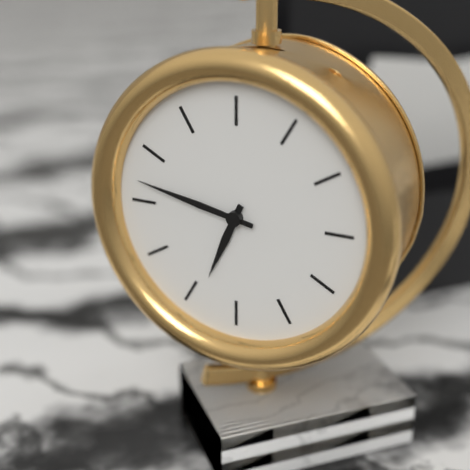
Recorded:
{"hour": 6, "minute": 47}
